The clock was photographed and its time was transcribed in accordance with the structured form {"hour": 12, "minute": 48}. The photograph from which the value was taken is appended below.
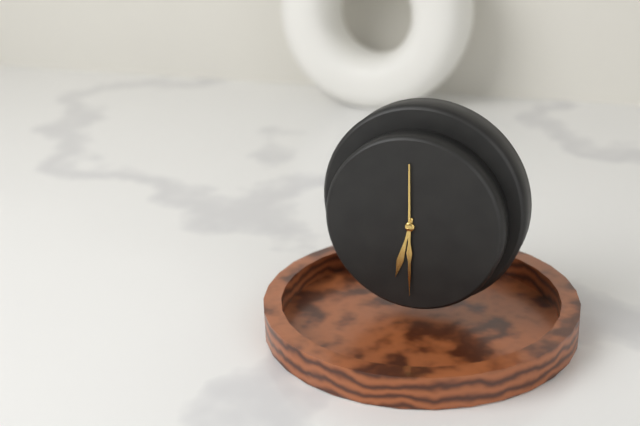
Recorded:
{"hour": 6, "minute": 30}
